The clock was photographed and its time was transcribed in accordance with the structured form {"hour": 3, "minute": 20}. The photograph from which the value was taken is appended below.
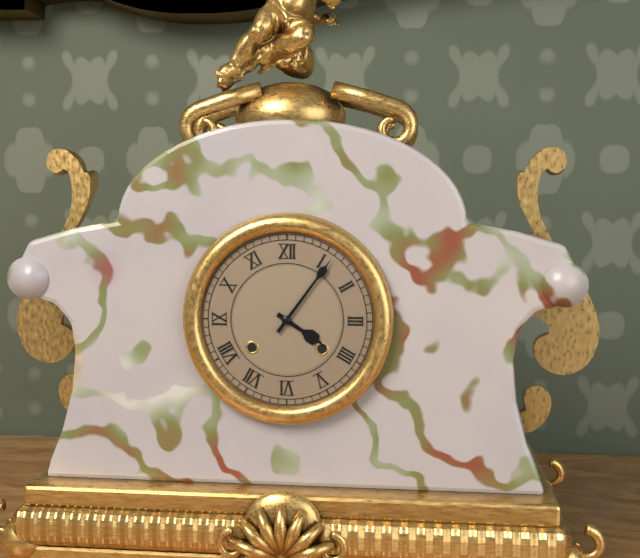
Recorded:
{"hour": 4, "minute": 6}
